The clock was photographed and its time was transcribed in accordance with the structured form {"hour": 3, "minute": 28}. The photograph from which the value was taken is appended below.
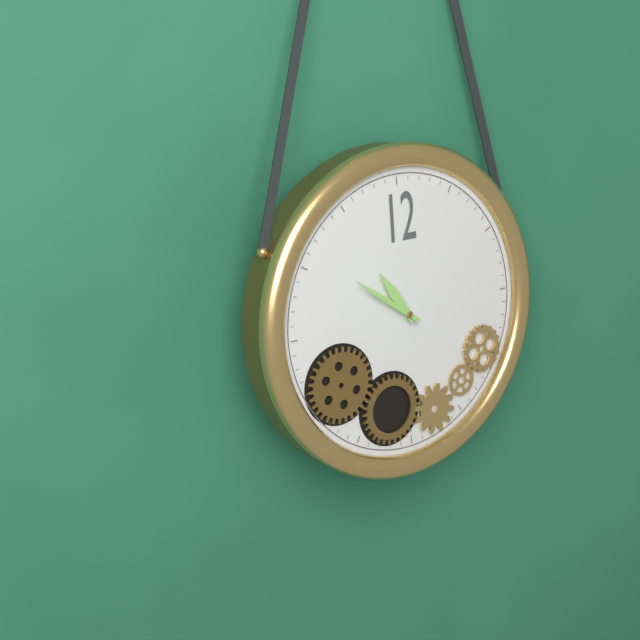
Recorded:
{"hour": 10, "minute": 51}
